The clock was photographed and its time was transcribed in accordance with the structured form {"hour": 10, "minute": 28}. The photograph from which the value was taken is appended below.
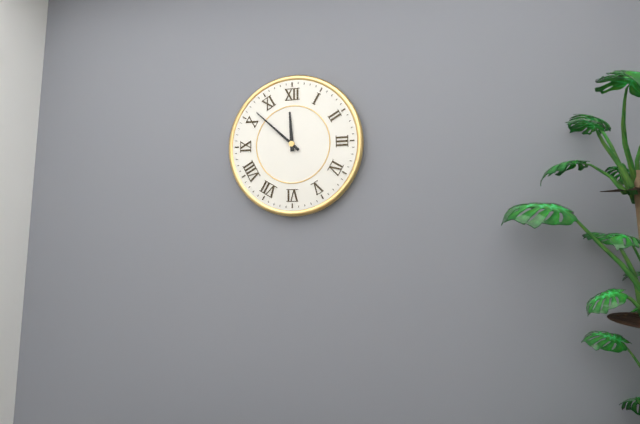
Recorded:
{"hour": 11, "minute": 52}
